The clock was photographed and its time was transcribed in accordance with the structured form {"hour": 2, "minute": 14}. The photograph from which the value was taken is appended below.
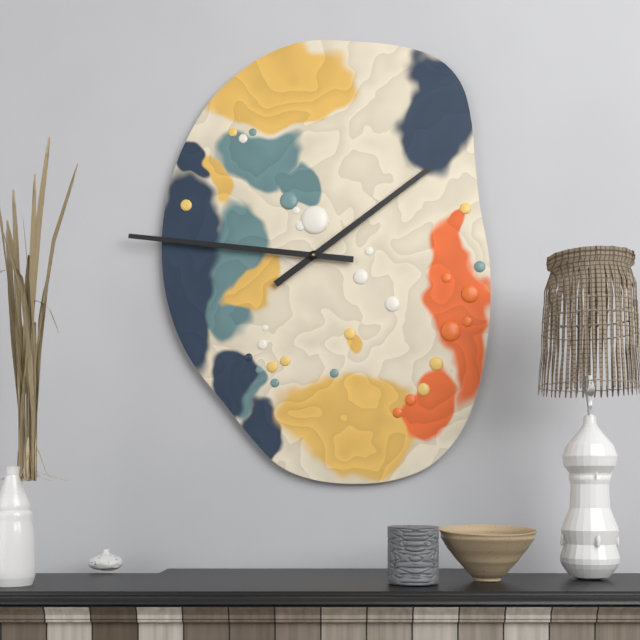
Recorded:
{"hour": 1, "minute": 46}
